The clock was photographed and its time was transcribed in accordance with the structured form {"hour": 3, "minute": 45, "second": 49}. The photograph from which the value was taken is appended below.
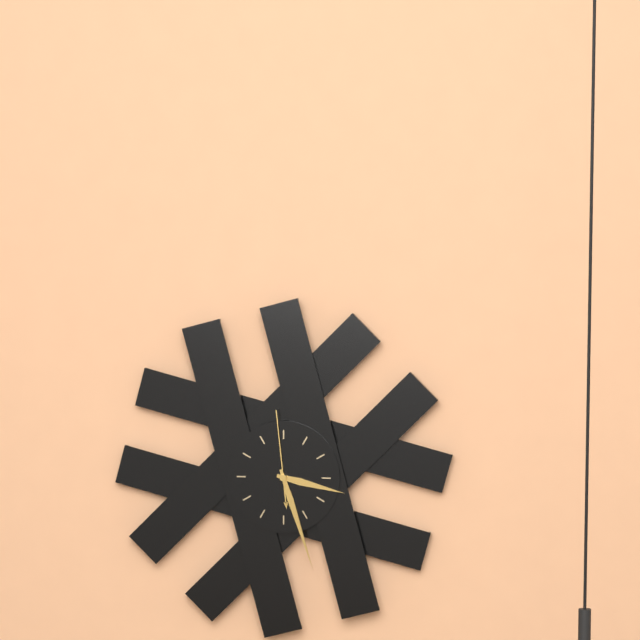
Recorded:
{"hour": 3, "minute": 27, "second": 59}
